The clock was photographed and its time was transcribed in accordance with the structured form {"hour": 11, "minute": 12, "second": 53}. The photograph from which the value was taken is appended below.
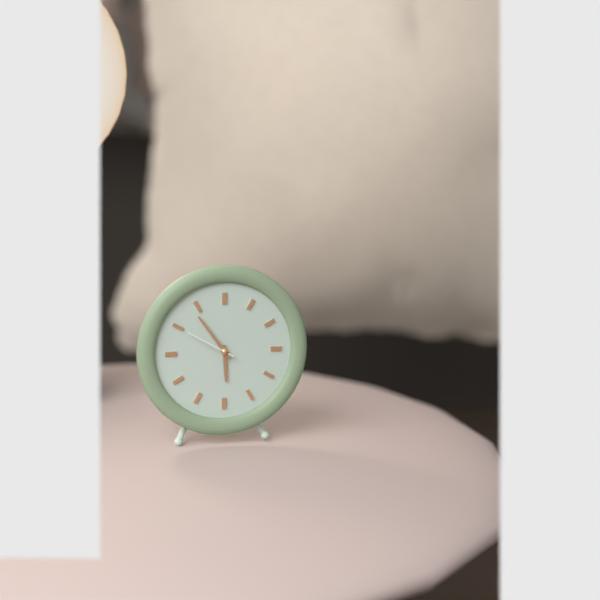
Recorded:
{"hour": 5, "minute": 54, "second": 50}
